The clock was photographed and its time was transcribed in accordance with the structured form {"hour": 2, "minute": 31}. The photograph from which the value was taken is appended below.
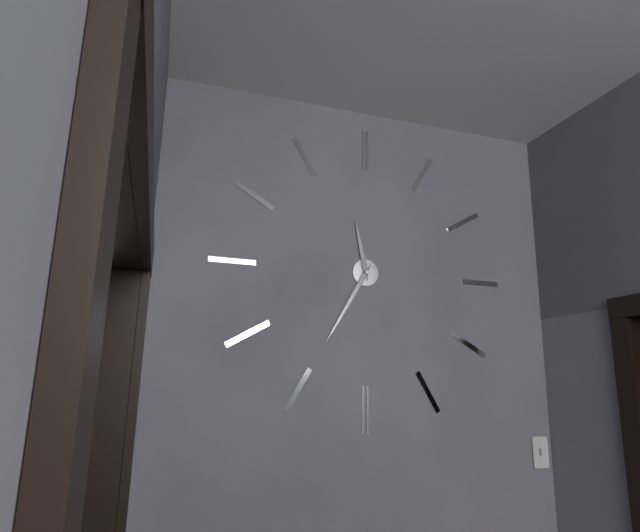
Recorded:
{"hour": 11, "minute": 35}
